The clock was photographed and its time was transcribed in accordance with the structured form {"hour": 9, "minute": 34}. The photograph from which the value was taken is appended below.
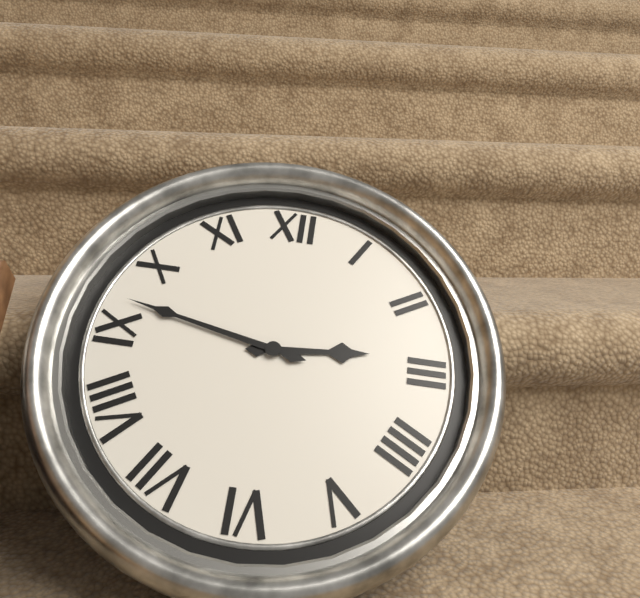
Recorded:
{"hour": 2, "minute": 47}
